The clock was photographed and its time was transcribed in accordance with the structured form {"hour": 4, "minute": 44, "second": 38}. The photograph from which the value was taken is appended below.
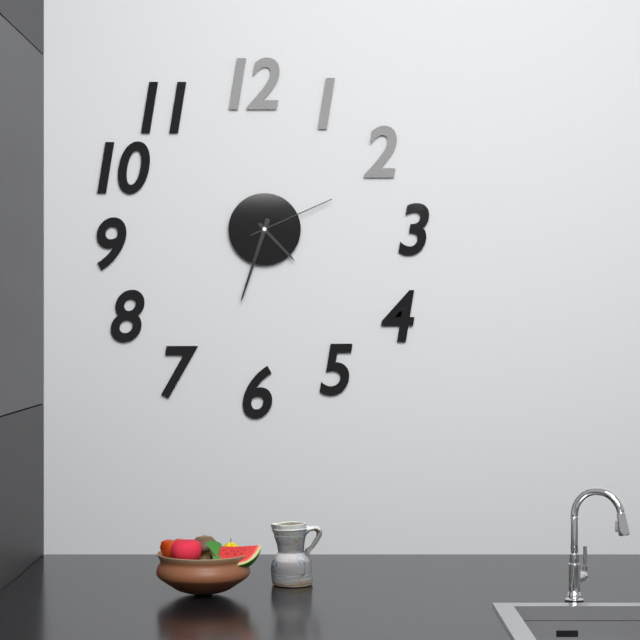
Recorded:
{"hour": 4, "minute": 33, "second": 11}
